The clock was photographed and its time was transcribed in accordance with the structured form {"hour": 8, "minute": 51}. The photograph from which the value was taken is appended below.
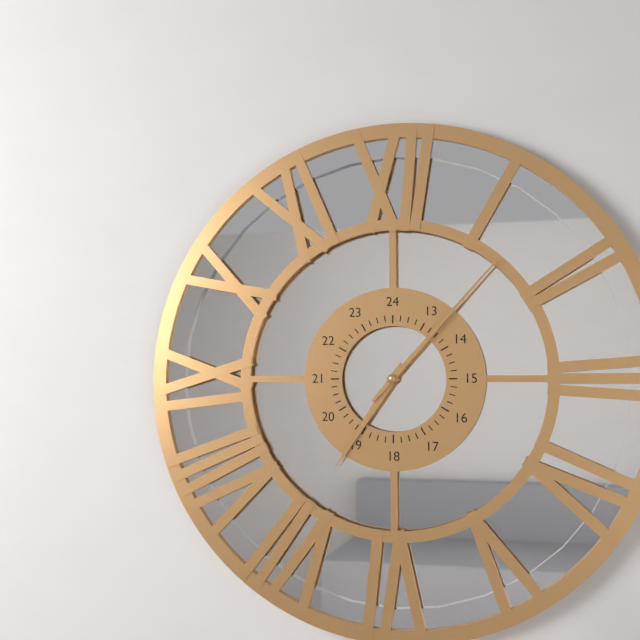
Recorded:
{"hour": 7, "minute": 7}
